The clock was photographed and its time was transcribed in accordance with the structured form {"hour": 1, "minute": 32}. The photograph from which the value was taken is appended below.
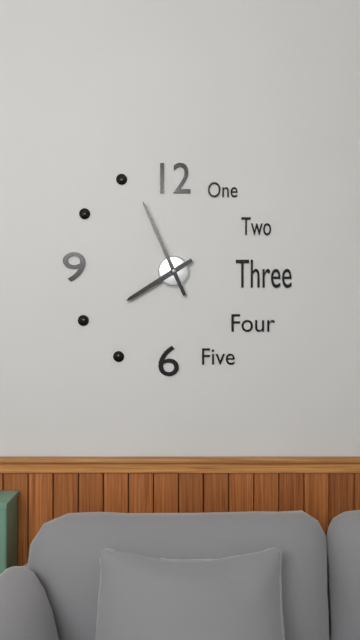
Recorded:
{"hour": 7, "minute": 56}
